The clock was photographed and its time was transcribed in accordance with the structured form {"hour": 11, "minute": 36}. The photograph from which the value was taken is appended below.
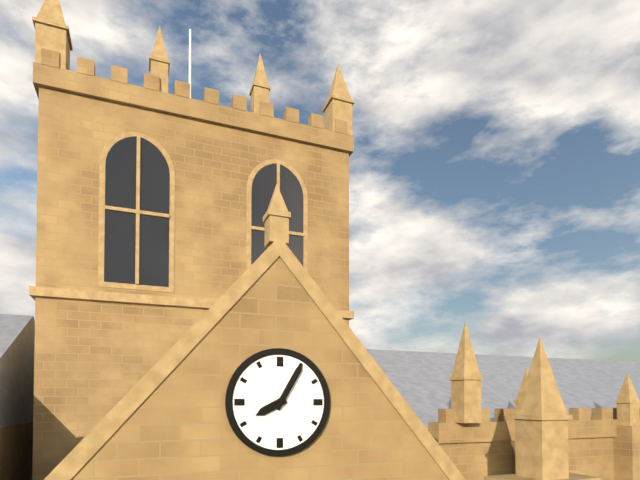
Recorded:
{"hour": 8, "minute": 5}
